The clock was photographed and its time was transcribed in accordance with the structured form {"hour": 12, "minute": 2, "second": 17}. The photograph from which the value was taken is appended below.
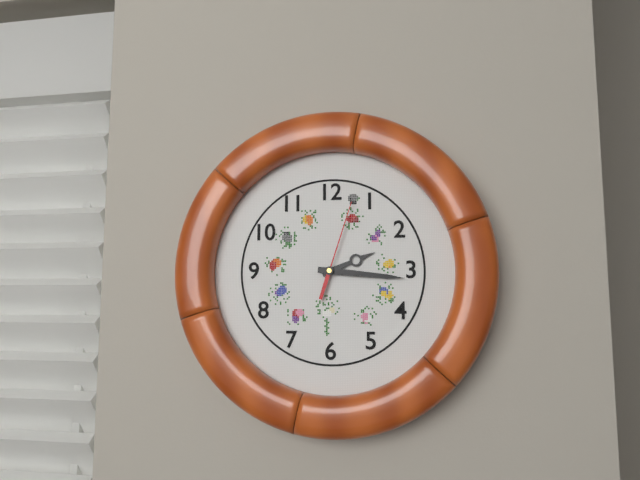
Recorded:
{"hour": 2, "minute": 16, "second": 3}
